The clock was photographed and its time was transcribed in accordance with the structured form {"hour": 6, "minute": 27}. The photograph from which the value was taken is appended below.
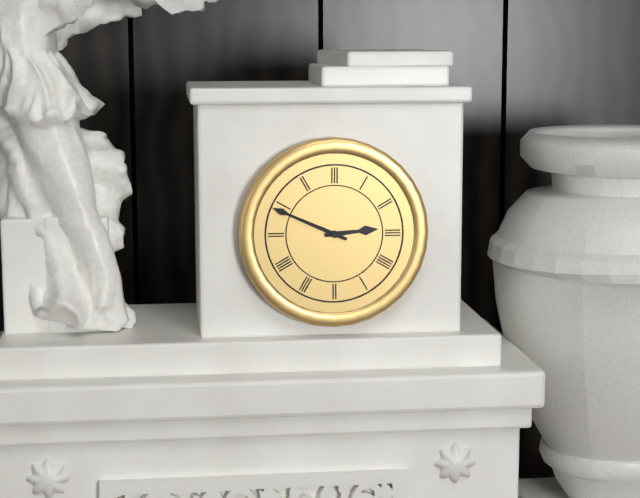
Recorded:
{"hour": 2, "minute": 49}
